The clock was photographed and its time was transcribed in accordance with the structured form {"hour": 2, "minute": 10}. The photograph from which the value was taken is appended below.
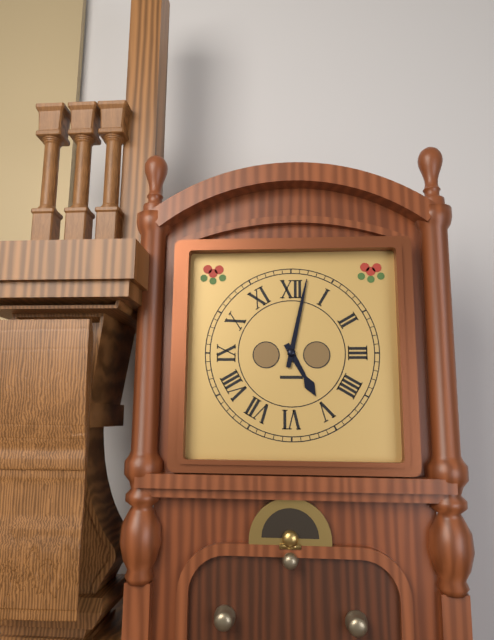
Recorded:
{"hour": 5, "minute": 2}
